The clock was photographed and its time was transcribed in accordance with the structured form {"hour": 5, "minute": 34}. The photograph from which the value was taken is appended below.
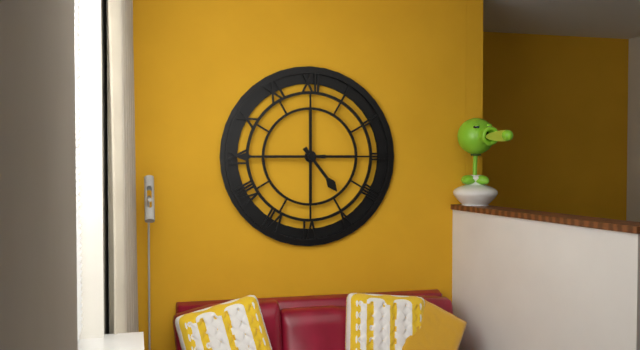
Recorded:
{"hour": 4, "minute": 45}
